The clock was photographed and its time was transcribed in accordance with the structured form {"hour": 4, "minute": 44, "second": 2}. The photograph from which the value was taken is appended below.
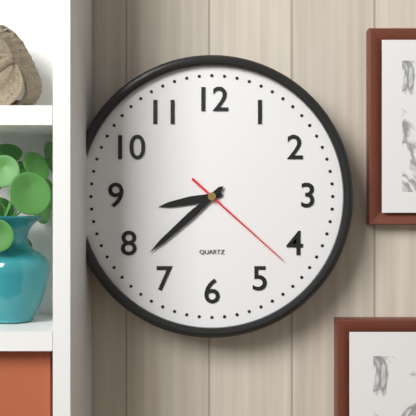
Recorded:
{"hour": 8, "minute": 38, "second": 22}
